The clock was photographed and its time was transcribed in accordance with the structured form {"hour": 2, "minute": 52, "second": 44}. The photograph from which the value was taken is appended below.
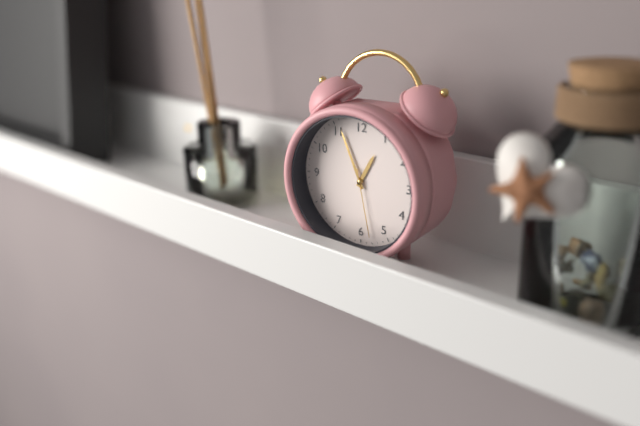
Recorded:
{"hour": 12, "minute": 56, "second": 28}
